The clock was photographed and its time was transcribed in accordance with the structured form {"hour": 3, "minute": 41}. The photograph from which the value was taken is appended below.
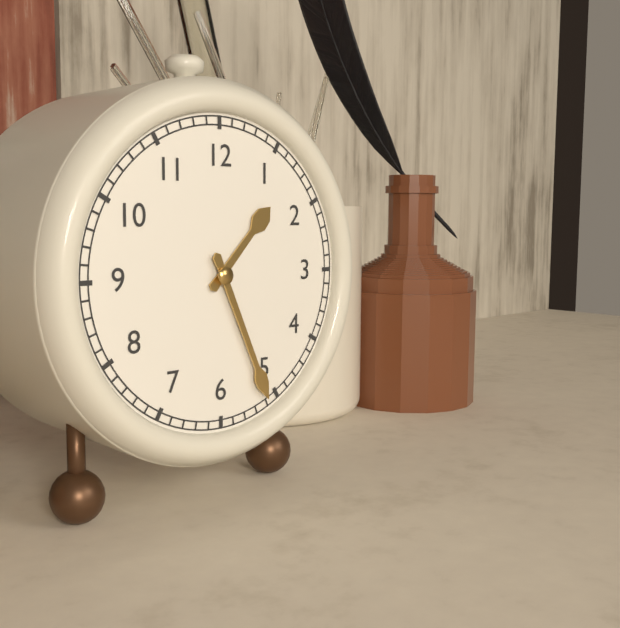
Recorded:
{"hour": 1, "minute": 26}
